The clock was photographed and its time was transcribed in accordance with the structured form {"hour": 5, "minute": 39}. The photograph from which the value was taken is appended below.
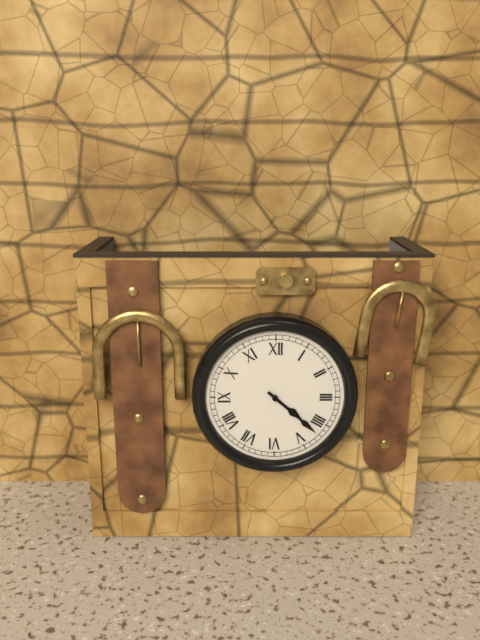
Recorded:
{"hour": 4, "minute": 22}
